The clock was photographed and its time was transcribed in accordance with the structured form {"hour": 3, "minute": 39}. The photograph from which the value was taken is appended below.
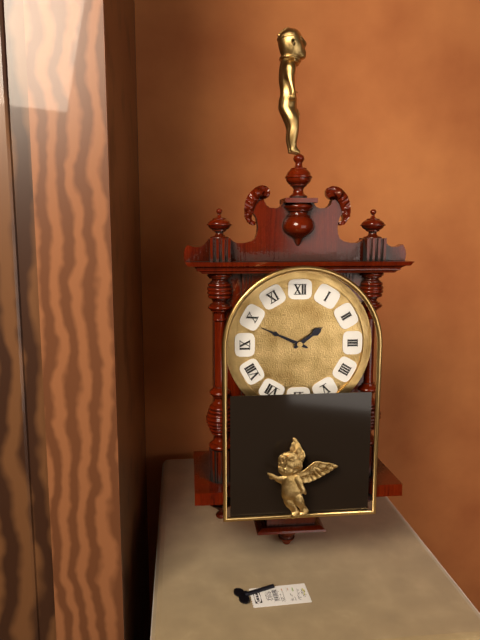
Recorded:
{"hour": 1, "minute": 49}
